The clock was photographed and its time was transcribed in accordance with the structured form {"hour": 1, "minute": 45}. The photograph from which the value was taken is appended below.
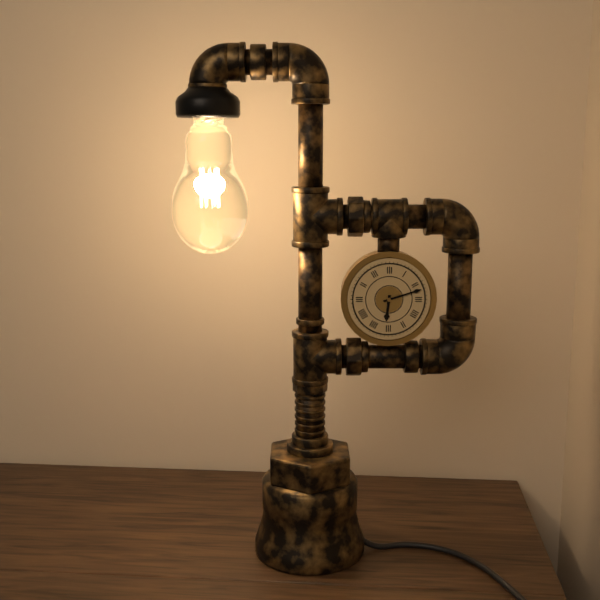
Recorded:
{"hour": 6, "minute": 12}
